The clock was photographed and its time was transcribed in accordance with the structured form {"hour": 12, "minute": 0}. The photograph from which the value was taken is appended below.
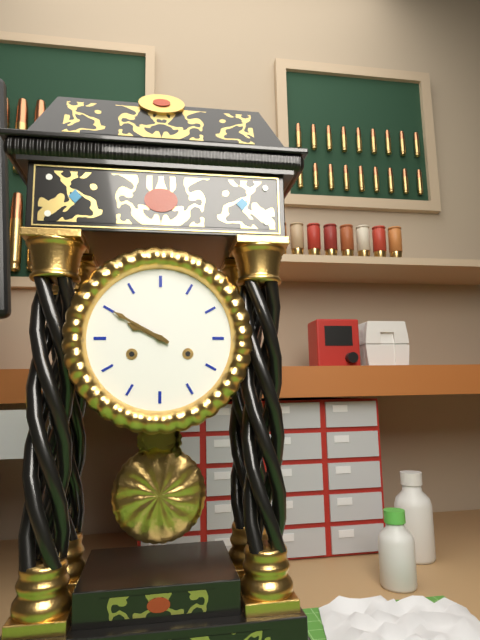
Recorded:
{"hour": 9, "minute": 50}
